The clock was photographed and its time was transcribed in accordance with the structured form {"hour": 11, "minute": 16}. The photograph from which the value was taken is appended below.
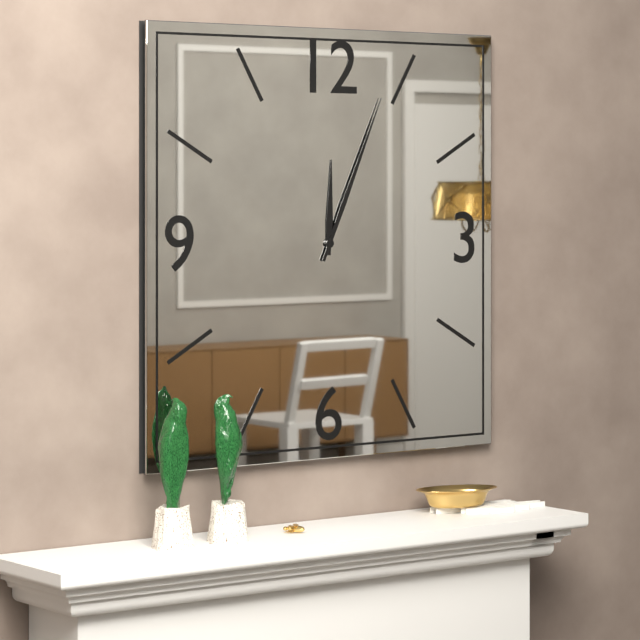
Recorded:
{"hour": 12, "minute": 4}
